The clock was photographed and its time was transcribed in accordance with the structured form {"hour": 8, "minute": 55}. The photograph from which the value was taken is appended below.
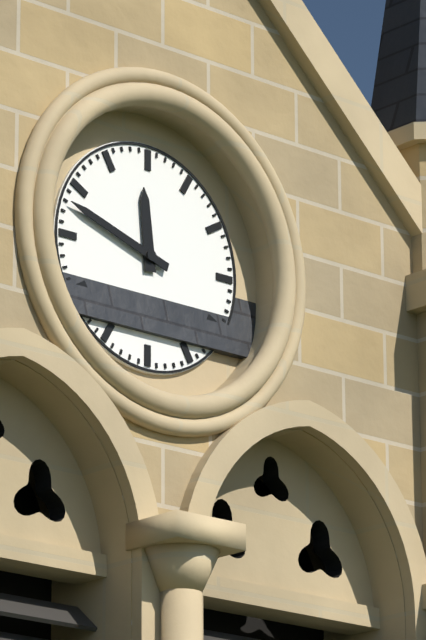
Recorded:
{"hour": 11, "minute": 48}
